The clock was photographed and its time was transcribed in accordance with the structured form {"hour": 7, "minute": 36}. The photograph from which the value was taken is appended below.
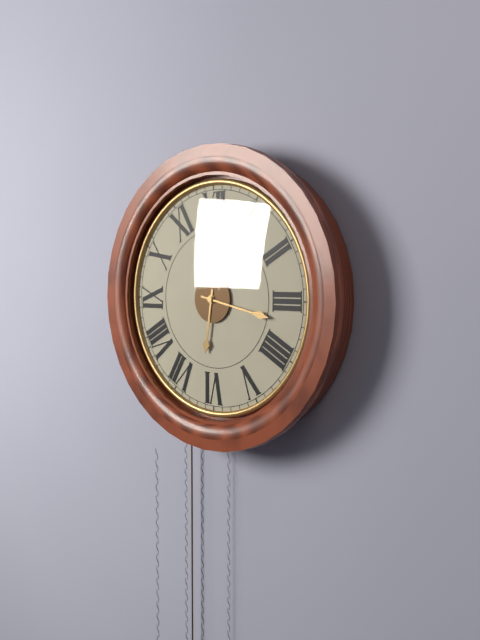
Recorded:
{"hour": 6, "minute": 17}
